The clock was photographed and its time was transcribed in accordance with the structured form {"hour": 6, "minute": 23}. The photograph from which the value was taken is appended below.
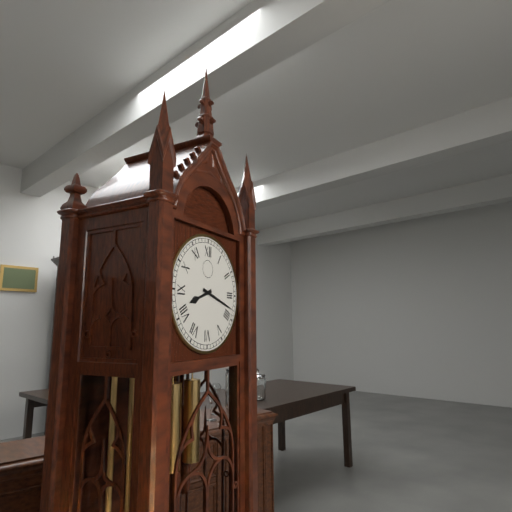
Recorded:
{"hour": 8, "minute": 18}
